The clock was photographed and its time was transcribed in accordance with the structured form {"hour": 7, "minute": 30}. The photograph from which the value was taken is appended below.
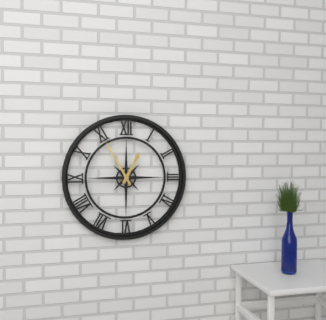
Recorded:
{"hour": 12, "minute": 55}
